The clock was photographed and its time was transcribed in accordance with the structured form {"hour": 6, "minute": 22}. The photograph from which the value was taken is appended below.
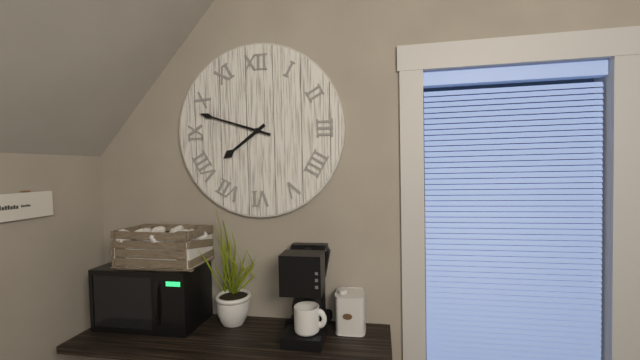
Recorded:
{"hour": 7, "minute": 48}
